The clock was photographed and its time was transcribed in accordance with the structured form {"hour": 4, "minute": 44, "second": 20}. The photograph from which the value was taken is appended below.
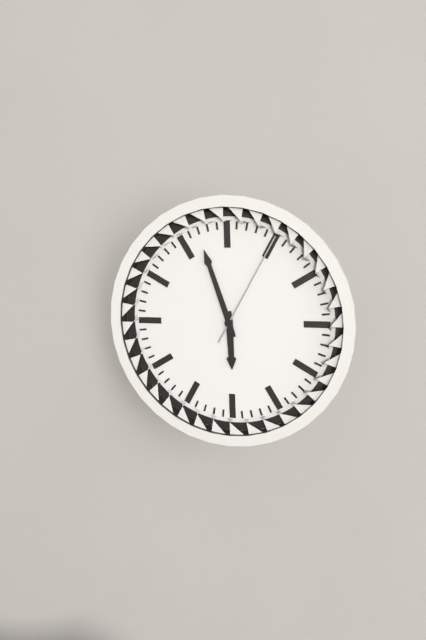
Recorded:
{"hour": 5, "minute": 57, "second": 5}
